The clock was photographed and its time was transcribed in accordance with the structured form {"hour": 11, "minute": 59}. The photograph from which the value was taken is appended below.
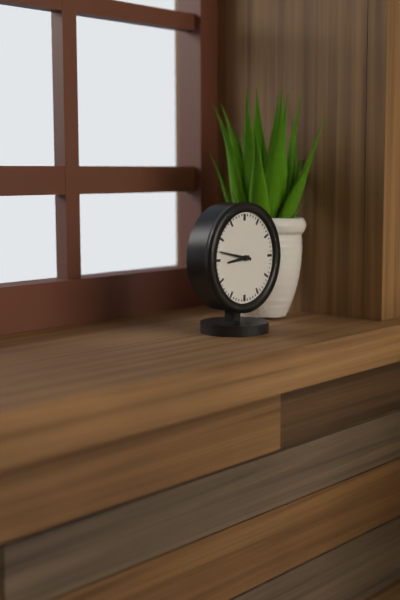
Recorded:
{"hour": 8, "minute": 47}
